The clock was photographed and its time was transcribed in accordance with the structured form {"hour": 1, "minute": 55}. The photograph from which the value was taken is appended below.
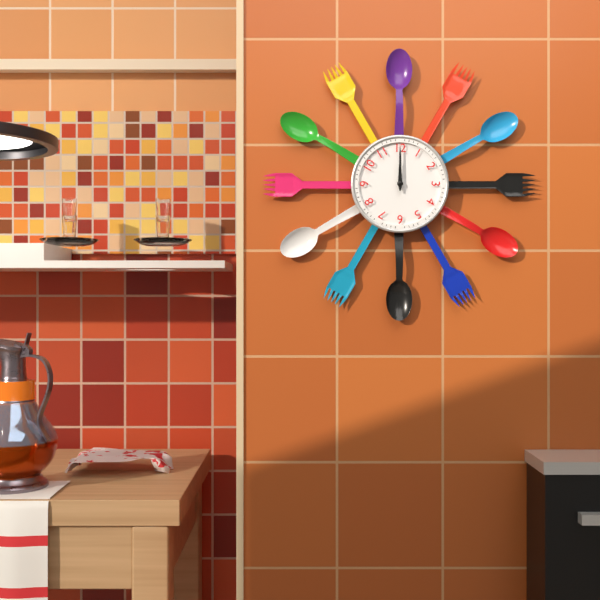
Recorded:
{"hour": 12, "minute": 0}
